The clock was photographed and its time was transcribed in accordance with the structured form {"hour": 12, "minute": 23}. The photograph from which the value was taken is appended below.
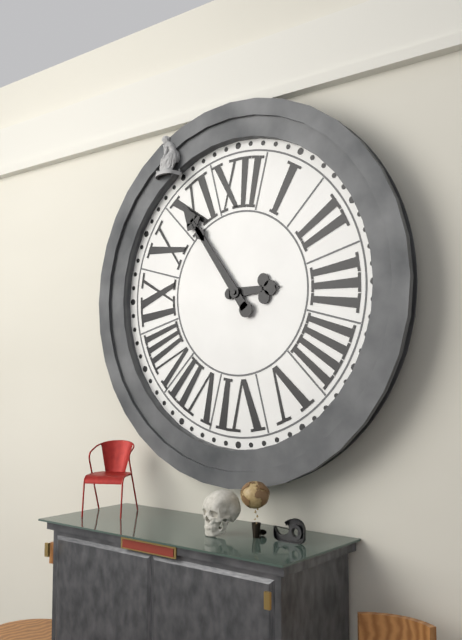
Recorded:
{"hour": 2, "minute": 54}
